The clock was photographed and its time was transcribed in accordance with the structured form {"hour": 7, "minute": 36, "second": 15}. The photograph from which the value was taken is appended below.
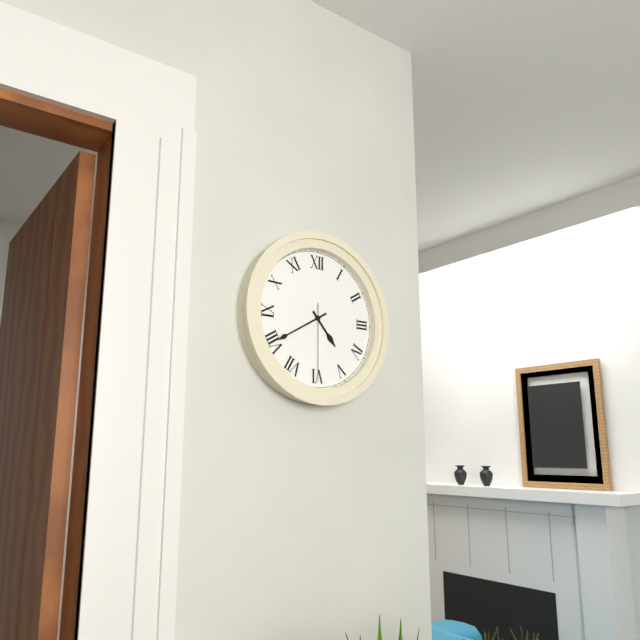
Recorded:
{"hour": 4, "minute": 40, "second": 30}
